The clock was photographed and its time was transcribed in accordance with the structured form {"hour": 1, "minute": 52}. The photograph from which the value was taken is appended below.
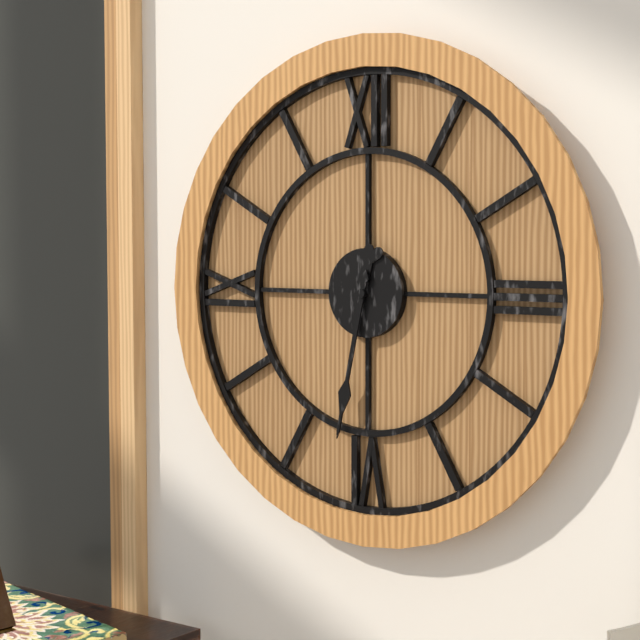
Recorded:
{"hour": 12, "minute": 32}
